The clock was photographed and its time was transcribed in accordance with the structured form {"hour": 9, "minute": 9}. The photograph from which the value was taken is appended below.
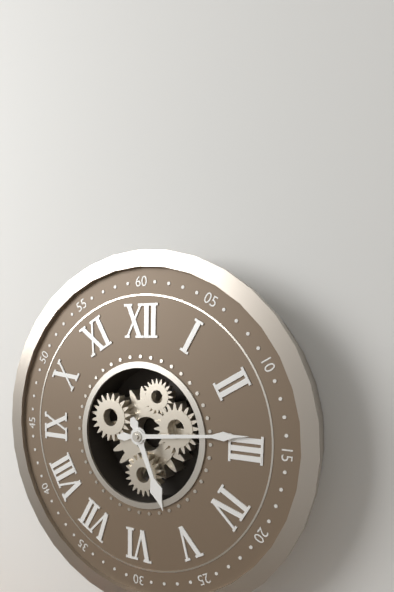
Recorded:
{"hour": 5, "minute": 14}
